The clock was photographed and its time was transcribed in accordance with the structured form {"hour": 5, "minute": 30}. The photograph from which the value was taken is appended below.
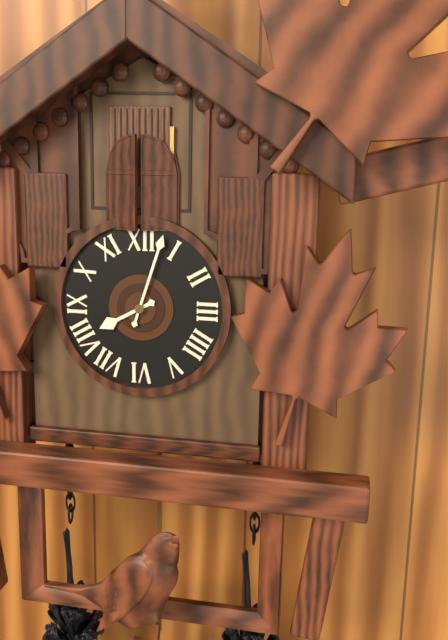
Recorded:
{"hour": 8, "minute": 3}
